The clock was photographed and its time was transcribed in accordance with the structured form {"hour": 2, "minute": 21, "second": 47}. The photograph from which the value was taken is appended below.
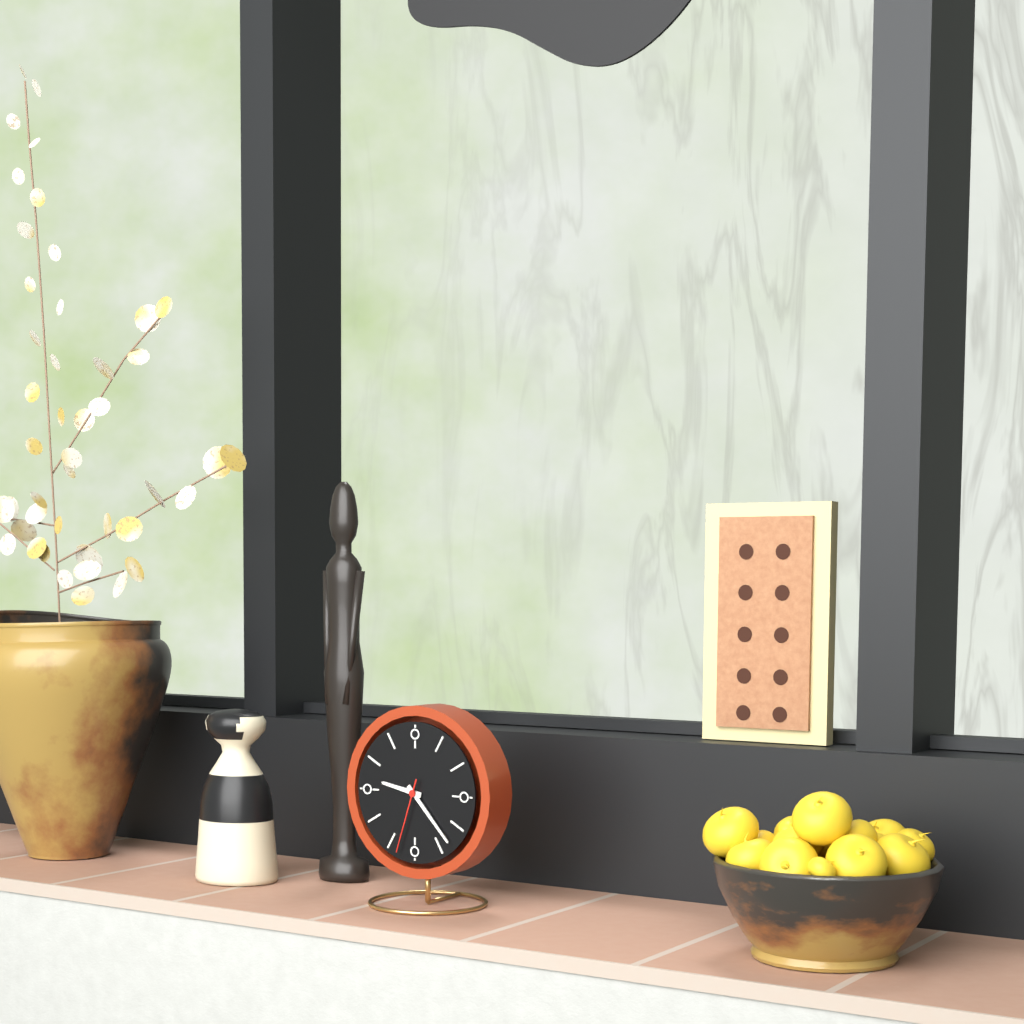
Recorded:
{"hour": 9, "minute": 23, "second": 33}
